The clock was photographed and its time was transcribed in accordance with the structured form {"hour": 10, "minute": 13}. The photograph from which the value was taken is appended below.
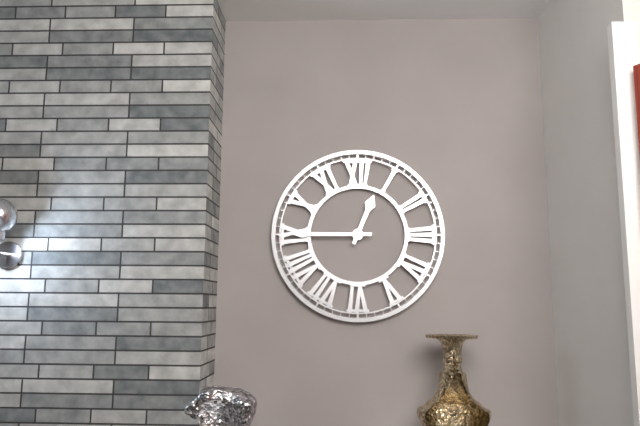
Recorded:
{"hour": 12, "minute": 45}
